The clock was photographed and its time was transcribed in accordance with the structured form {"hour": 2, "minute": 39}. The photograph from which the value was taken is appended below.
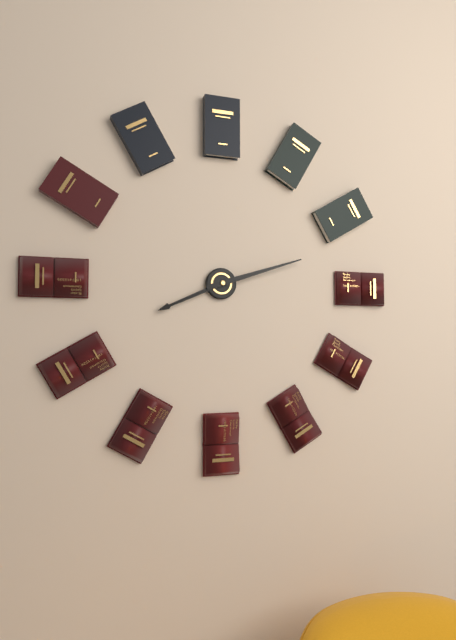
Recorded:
{"hour": 8, "minute": 12}
